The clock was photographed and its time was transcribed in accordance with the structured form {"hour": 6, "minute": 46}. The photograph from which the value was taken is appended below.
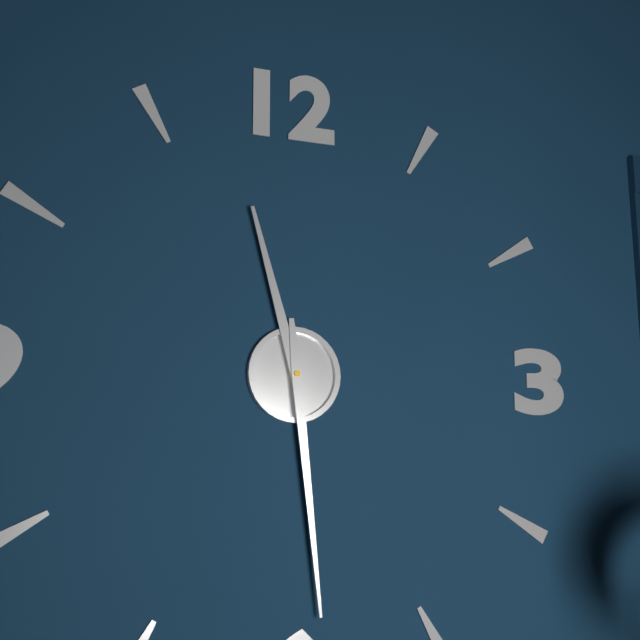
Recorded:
{"hour": 11, "minute": 29}
